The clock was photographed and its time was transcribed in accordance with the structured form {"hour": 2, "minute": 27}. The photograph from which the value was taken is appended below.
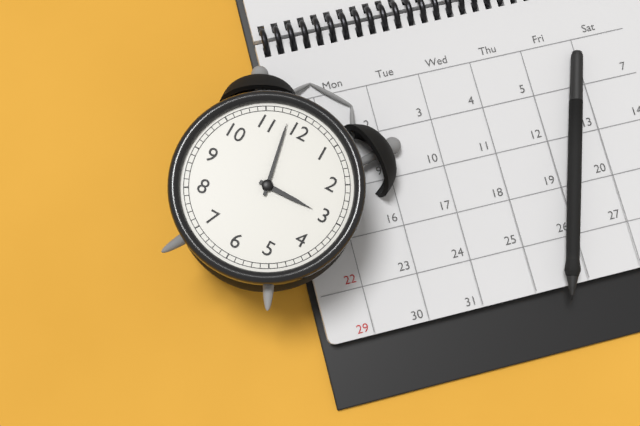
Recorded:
{"hour": 2, "minute": 58}
